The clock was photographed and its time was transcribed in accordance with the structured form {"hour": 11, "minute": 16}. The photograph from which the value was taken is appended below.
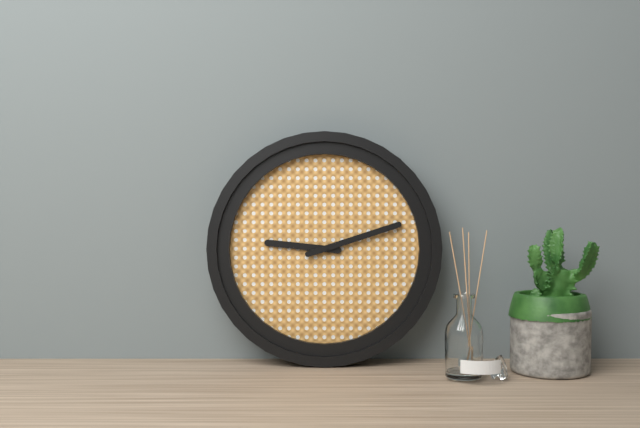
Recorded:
{"hour": 9, "minute": 12}
